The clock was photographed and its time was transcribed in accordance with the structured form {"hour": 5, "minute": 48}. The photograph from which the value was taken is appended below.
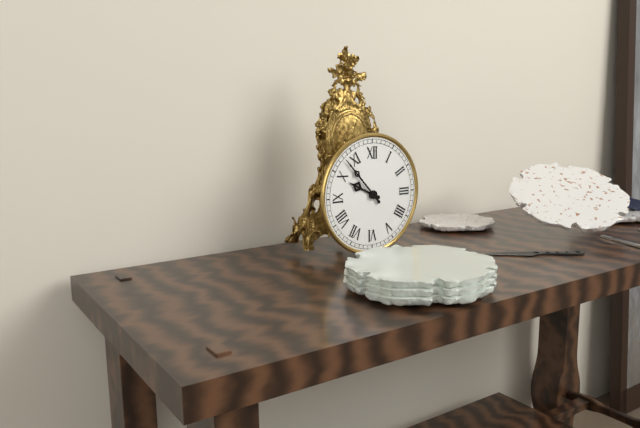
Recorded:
{"hour": 9, "minute": 53}
